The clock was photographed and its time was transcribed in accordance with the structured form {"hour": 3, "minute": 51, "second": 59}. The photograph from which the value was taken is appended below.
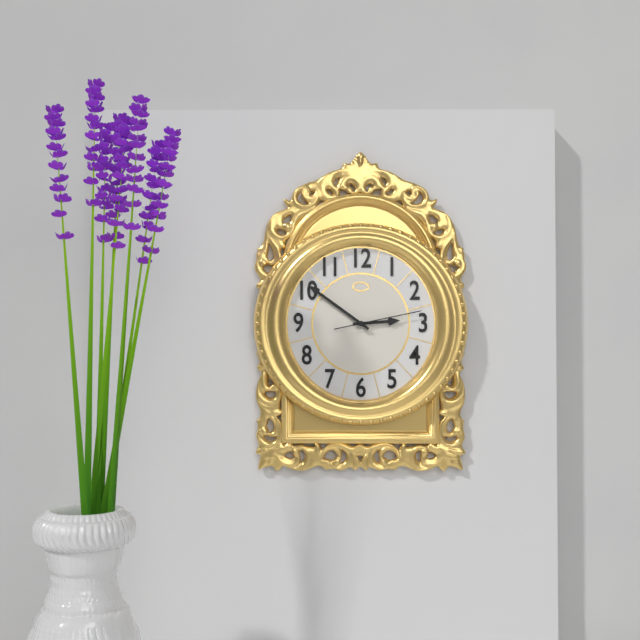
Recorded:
{"hour": 2, "minute": 51, "second": 13}
